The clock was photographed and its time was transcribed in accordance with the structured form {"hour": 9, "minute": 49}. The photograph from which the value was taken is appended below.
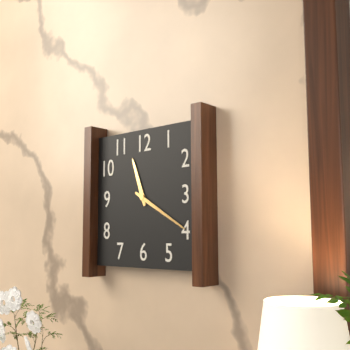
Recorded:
{"hour": 11, "minute": 20}
